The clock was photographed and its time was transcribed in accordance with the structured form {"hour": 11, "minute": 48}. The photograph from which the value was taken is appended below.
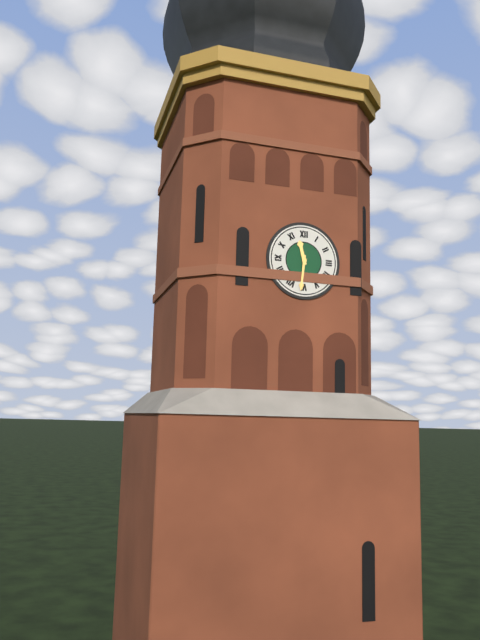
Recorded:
{"hour": 11, "minute": 31}
